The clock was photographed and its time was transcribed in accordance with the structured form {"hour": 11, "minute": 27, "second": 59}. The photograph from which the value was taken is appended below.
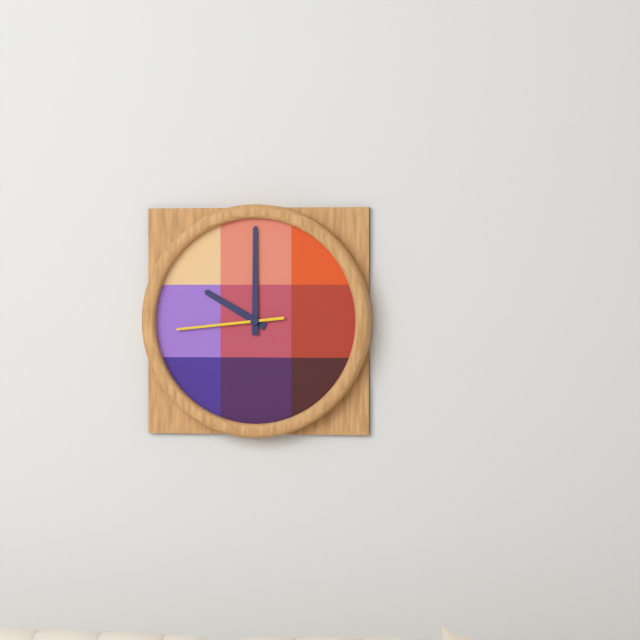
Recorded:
{"hour": 10, "minute": 0, "second": 44}
